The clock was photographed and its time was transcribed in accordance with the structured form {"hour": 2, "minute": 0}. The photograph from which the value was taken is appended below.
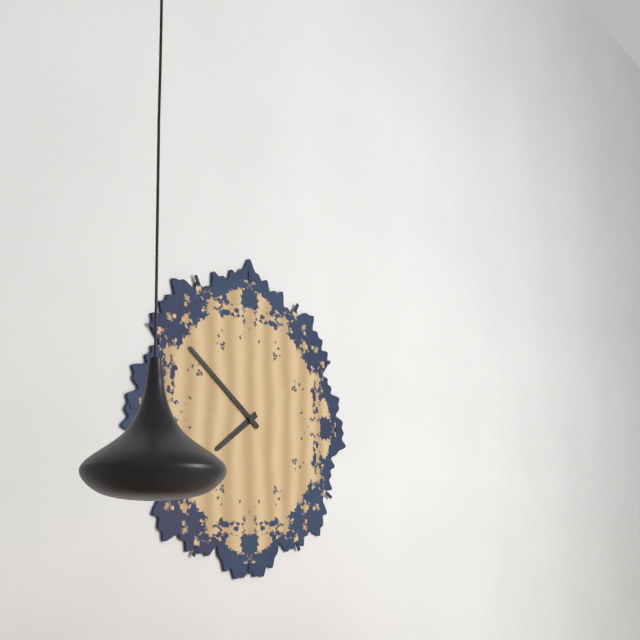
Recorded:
{"hour": 7, "minute": 51}
